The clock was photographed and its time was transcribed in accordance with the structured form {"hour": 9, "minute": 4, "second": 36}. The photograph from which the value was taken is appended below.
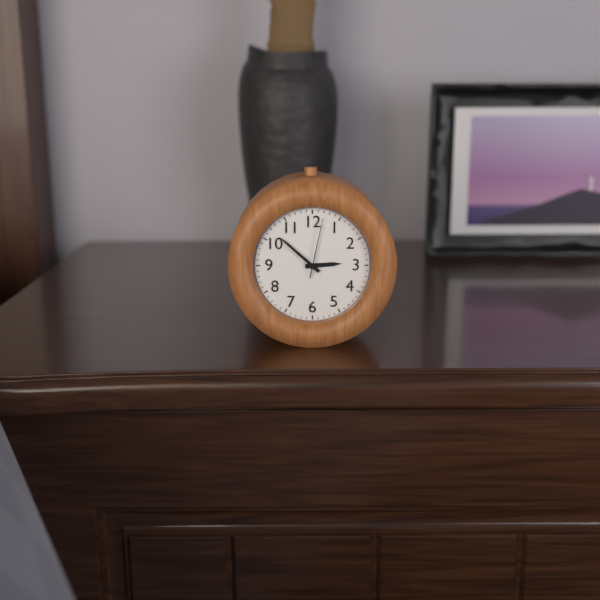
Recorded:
{"hour": 2, "minute": 52, "second": 2}
